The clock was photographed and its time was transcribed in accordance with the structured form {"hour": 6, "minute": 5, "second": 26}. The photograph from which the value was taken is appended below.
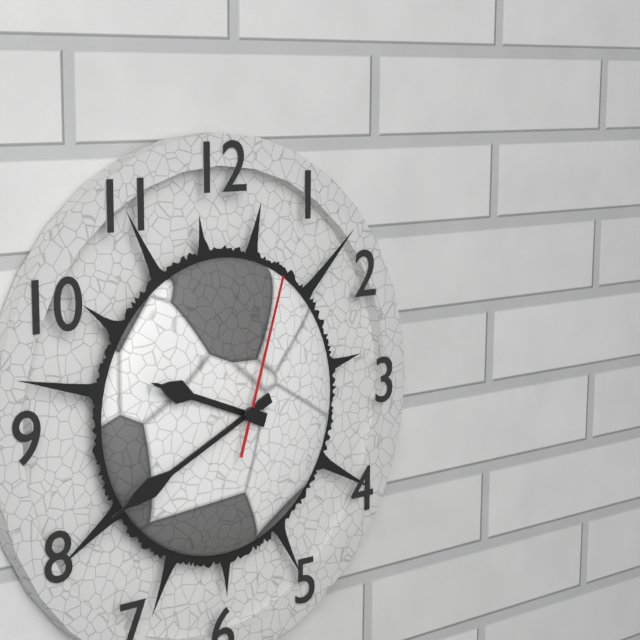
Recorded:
{"hour": 9, "minute": 41, "second": 3}
